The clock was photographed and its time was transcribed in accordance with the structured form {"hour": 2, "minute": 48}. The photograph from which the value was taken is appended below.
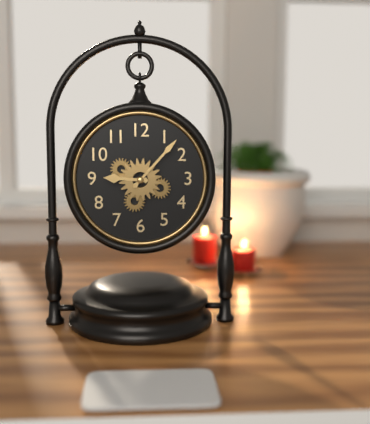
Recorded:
{"hour": 9, "minute": 7}
